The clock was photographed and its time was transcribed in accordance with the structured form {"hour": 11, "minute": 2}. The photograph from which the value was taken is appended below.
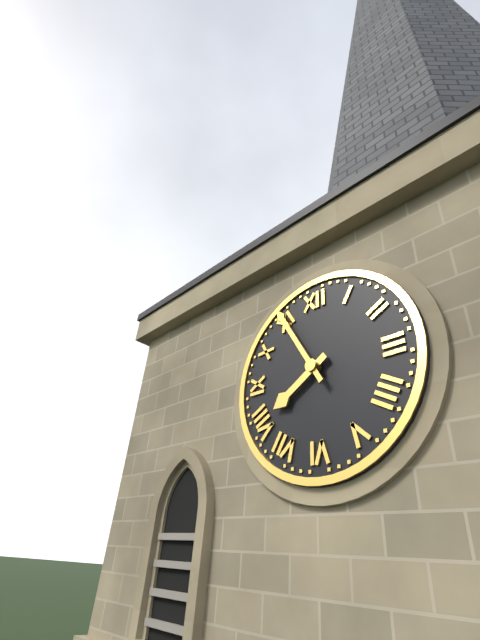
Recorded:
{"hour": 7, "minute": 55}
